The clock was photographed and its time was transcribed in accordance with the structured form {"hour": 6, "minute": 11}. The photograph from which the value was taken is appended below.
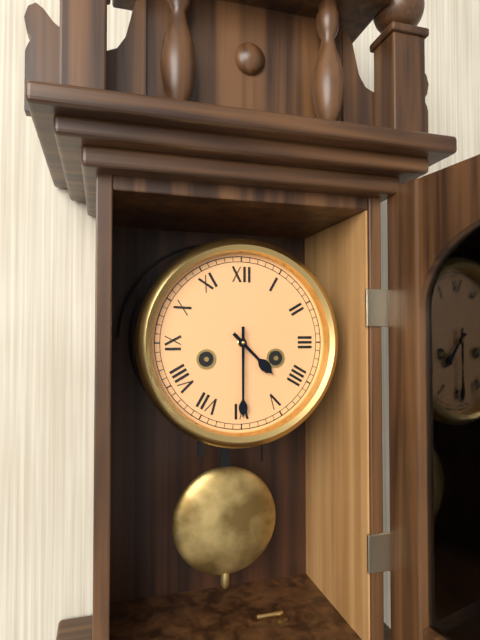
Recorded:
{"hour": 4, "minute": 30}
